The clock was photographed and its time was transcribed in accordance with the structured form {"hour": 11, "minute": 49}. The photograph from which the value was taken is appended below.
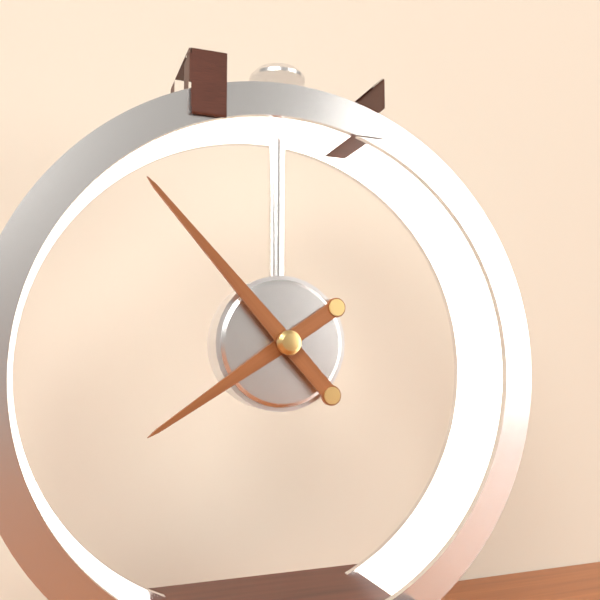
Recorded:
{"hour": 7, "minute": 53}
